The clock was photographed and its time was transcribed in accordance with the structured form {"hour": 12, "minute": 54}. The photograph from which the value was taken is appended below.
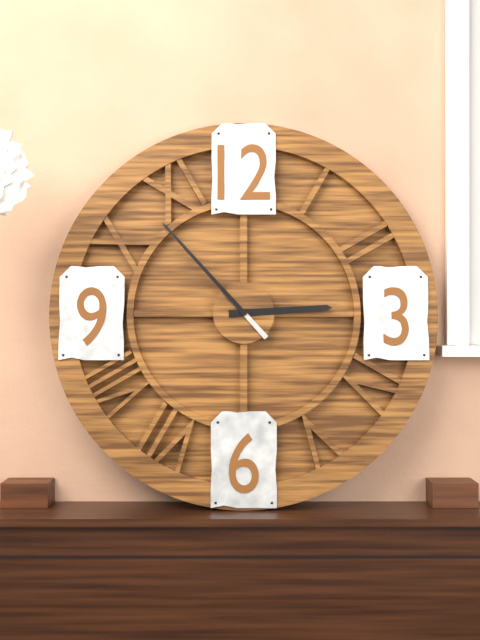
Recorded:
{"hour": 2, "minute": 53}
